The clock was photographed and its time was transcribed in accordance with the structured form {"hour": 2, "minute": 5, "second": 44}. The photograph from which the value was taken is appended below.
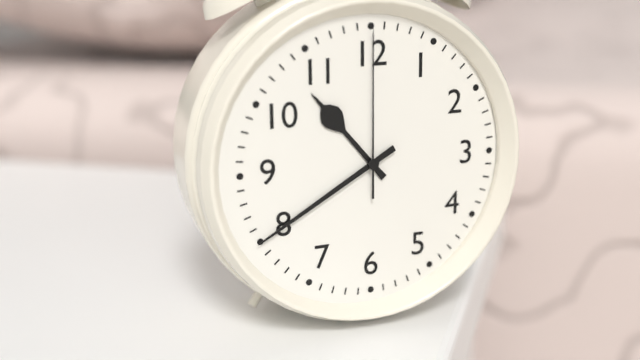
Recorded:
{"hour": 10, "minute": 40, "second": 0}
